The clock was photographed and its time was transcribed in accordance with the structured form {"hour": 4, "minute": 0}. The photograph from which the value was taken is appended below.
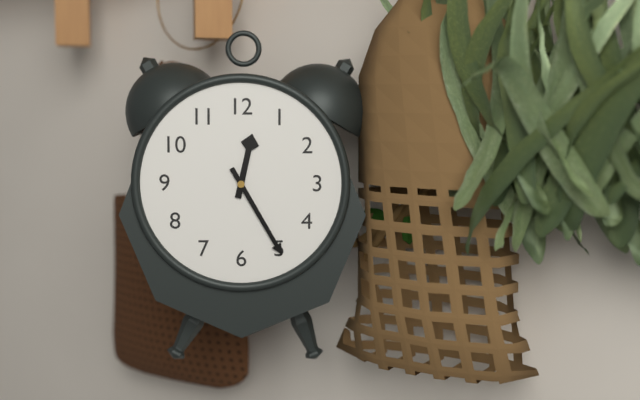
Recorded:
{"hour": 12, "minute": 25}
